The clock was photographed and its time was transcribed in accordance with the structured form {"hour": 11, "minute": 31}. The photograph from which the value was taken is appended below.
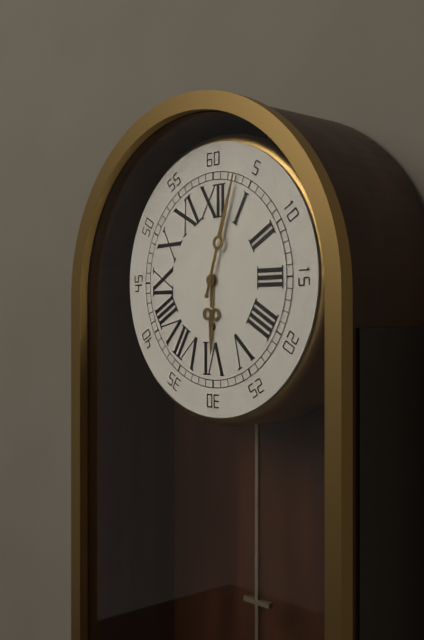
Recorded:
{"hour": 6, "minute": 3}
